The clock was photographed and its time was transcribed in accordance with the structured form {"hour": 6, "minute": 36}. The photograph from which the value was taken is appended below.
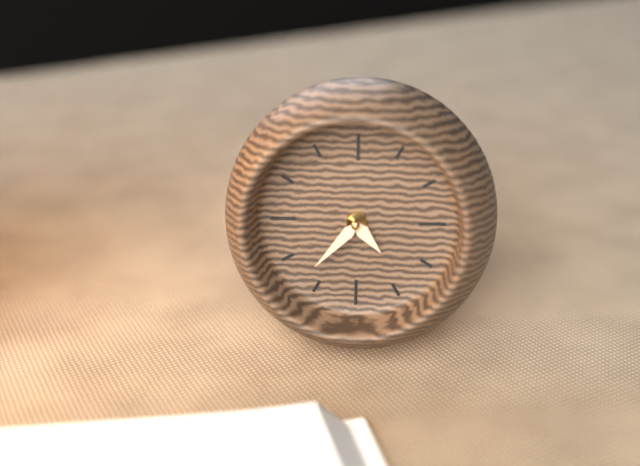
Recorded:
{"hour": 4, "minute": 37}
